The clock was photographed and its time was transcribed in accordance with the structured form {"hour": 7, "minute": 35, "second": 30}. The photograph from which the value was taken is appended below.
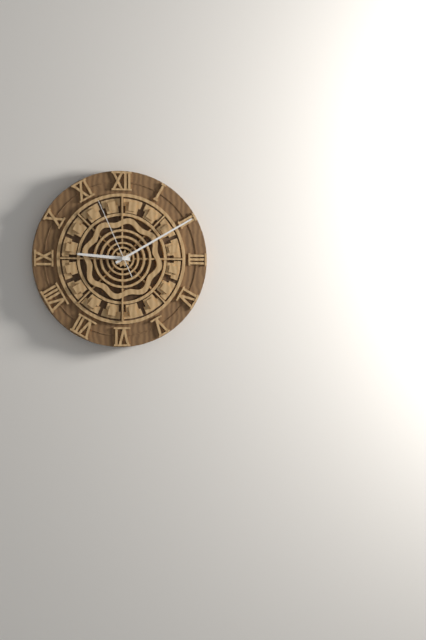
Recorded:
{"hour": 9, "minute": 10, "second": 56}
